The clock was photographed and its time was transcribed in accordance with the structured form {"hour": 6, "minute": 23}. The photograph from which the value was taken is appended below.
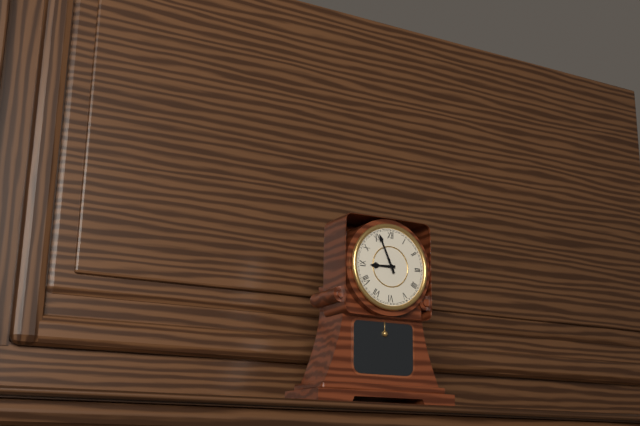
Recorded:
{"hour": 8, "minute": 56}
